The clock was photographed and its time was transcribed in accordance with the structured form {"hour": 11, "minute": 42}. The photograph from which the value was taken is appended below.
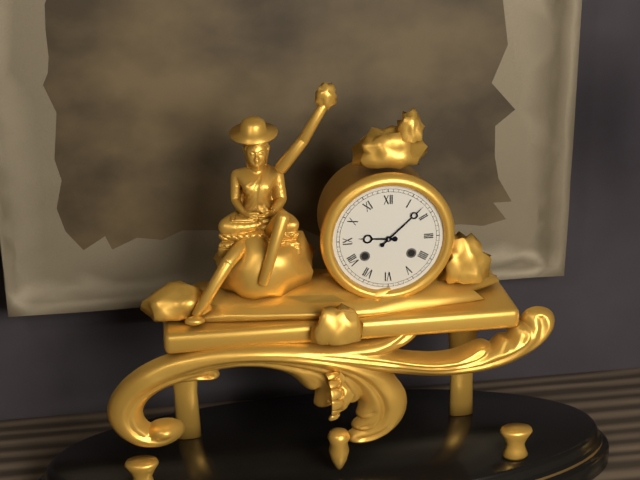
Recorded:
{"hour": 9, "minute": 8}
